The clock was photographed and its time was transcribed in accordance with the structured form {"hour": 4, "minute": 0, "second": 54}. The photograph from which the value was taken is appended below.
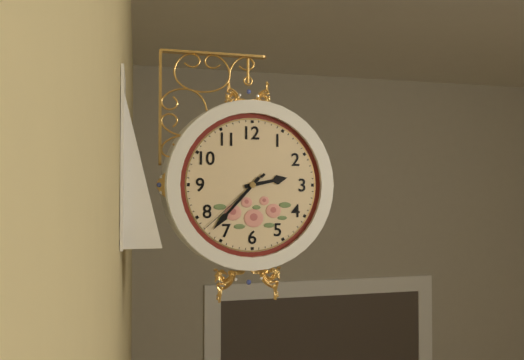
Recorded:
{"hour": 2, "minute": 37, "second": 38}
